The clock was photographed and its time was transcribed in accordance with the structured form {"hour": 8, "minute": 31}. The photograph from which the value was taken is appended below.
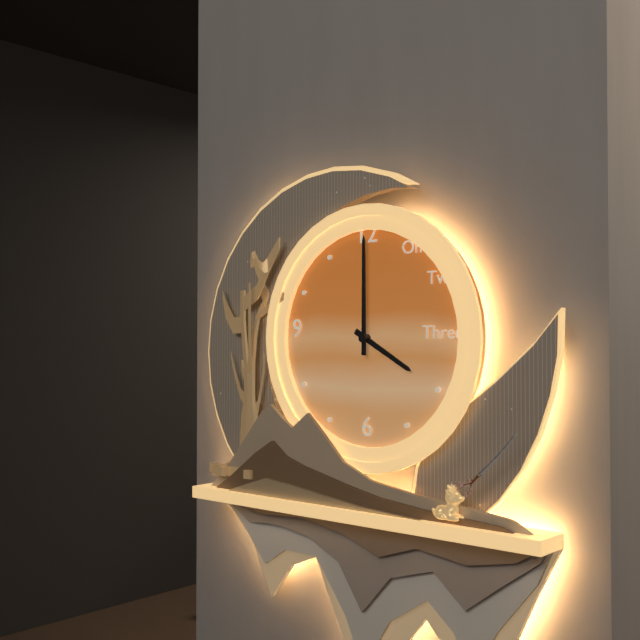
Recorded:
{"hour": 4, "minute": 0}
